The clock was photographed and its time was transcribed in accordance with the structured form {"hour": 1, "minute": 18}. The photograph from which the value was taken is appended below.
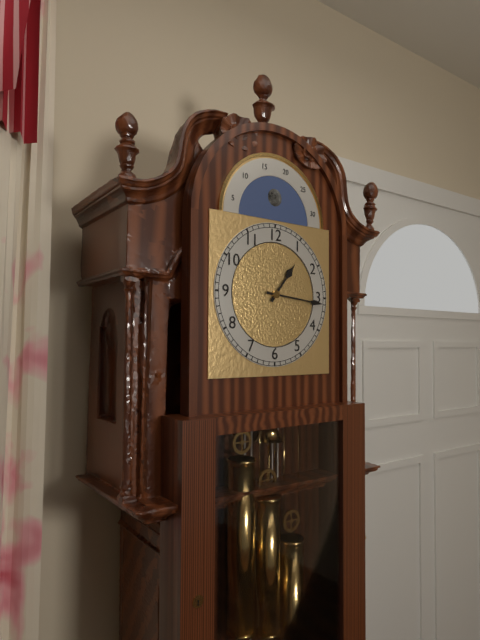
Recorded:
{"hour": 1, "minute": 16}
